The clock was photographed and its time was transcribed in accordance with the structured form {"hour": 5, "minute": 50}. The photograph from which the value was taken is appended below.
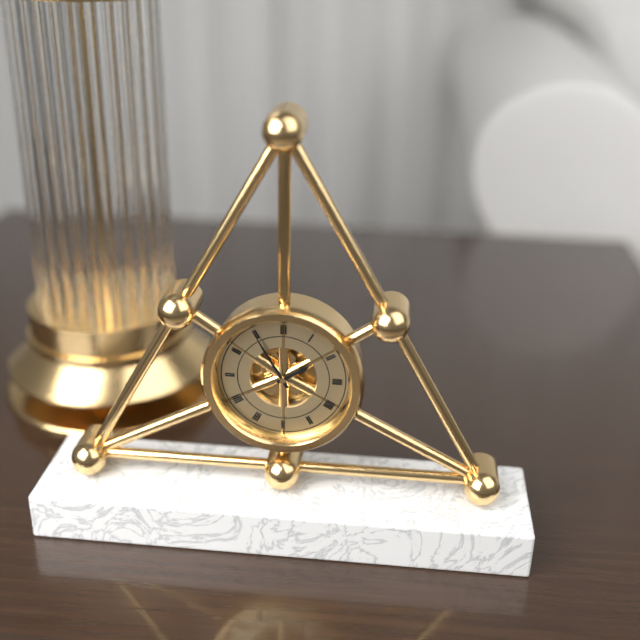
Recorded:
{"hour": 1, "minute": 55}
